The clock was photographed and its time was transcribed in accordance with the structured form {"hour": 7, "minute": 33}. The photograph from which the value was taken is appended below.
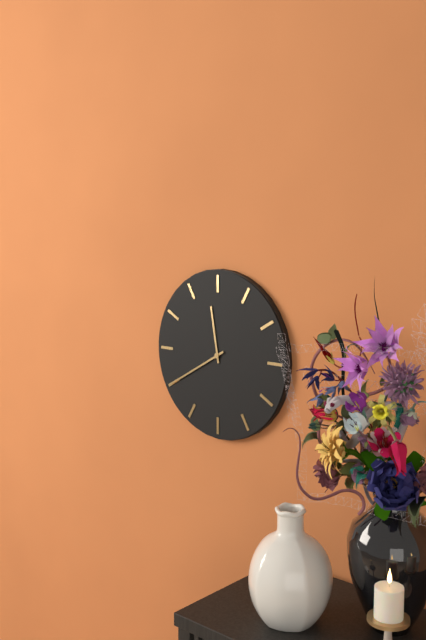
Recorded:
{"hour": 11, "minute": 40}
